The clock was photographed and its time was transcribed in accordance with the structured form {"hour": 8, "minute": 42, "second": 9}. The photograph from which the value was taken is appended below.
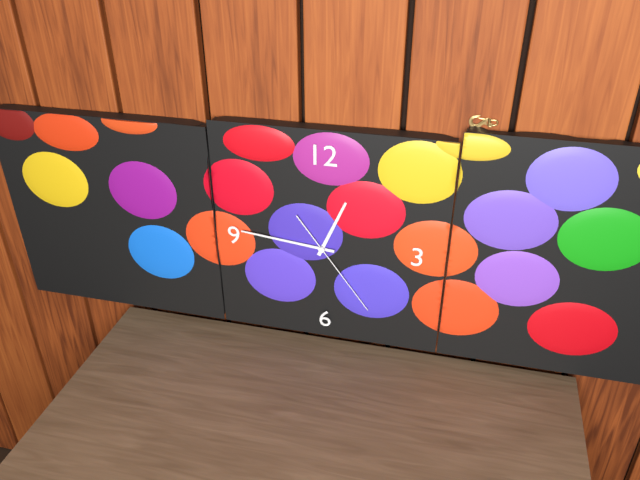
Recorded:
{"hour": 12, "minute": 46, "second": 24}
